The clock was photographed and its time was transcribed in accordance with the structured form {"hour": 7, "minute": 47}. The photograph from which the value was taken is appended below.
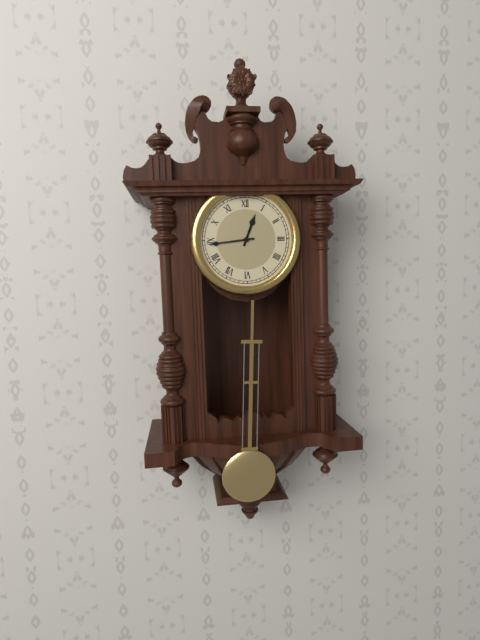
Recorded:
{"hour": 12, "minute": 44}
